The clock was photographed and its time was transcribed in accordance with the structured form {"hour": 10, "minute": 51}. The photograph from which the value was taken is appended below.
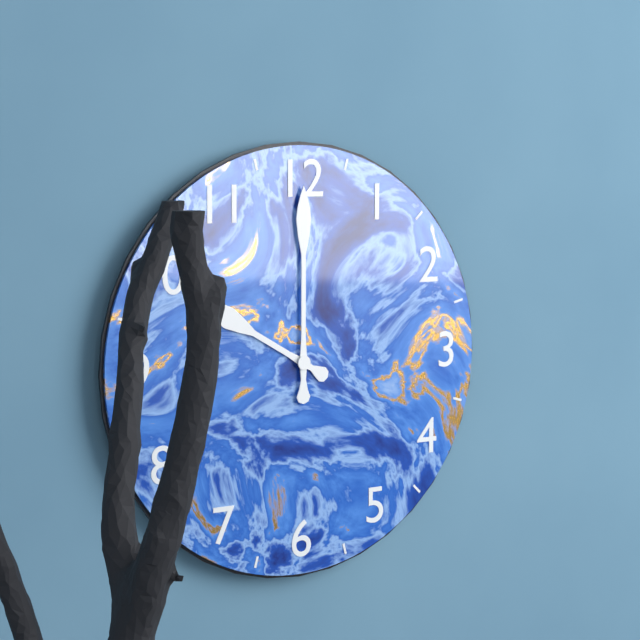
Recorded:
{"hour": 10, "minute": 0}
